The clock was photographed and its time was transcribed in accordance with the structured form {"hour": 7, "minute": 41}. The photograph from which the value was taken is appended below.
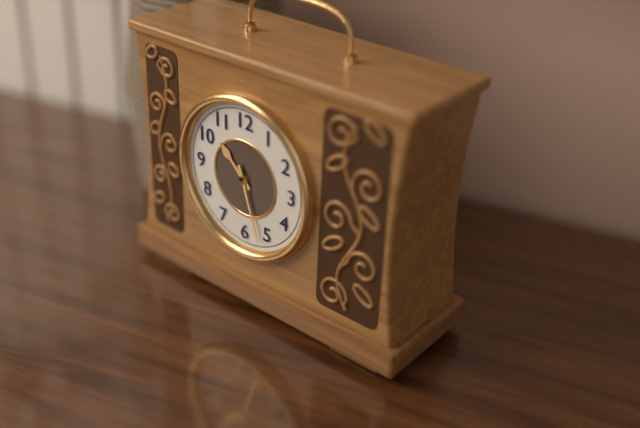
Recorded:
{"hour": 10, "minute": 27}
